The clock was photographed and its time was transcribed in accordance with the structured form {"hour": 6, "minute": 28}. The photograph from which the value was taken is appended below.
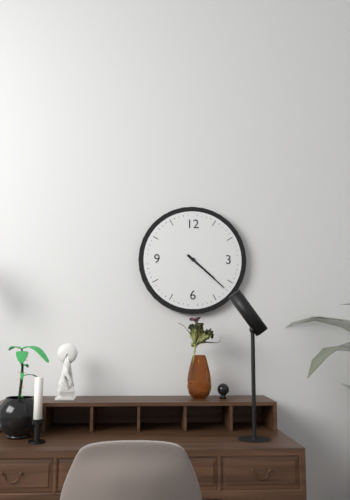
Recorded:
{"hour": 4, "minute": 22}
